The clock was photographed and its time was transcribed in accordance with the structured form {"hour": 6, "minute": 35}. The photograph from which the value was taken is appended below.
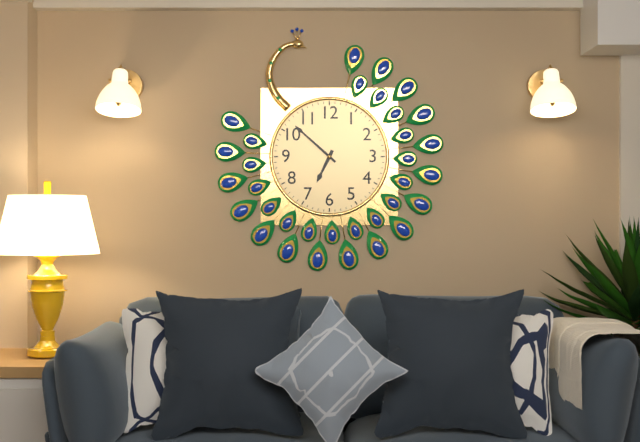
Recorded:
{"hour": 6, "minute": 52}
